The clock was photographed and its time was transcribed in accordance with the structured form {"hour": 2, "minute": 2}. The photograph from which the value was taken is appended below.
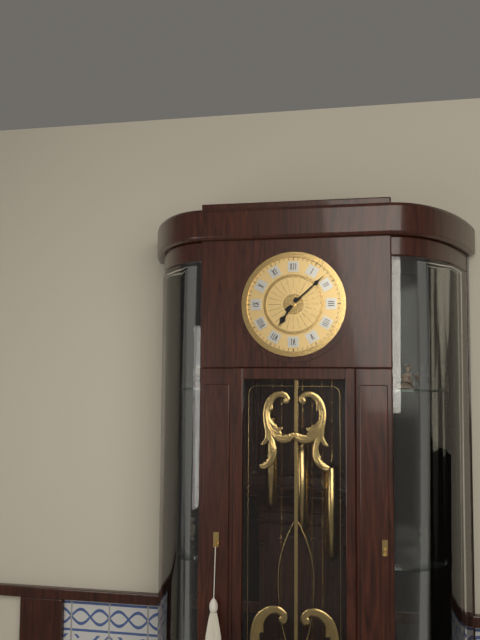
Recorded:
{"hour": 7, "minute": 8}
